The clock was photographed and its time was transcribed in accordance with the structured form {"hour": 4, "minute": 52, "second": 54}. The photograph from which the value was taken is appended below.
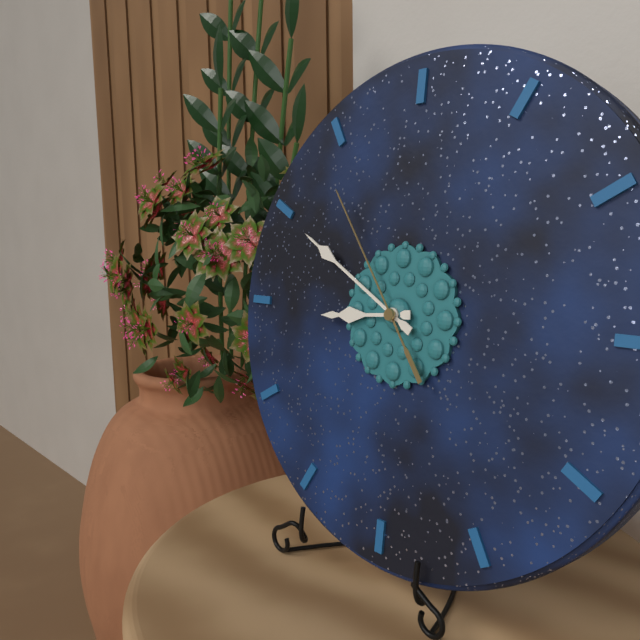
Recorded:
{"hour": 8, "minute": 50, "second": 54}
